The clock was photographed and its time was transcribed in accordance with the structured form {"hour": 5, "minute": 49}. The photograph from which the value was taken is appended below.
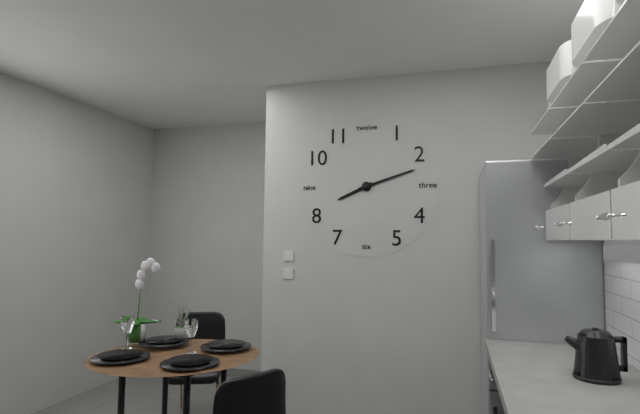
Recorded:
{"hour": 8, "minute": 12}
